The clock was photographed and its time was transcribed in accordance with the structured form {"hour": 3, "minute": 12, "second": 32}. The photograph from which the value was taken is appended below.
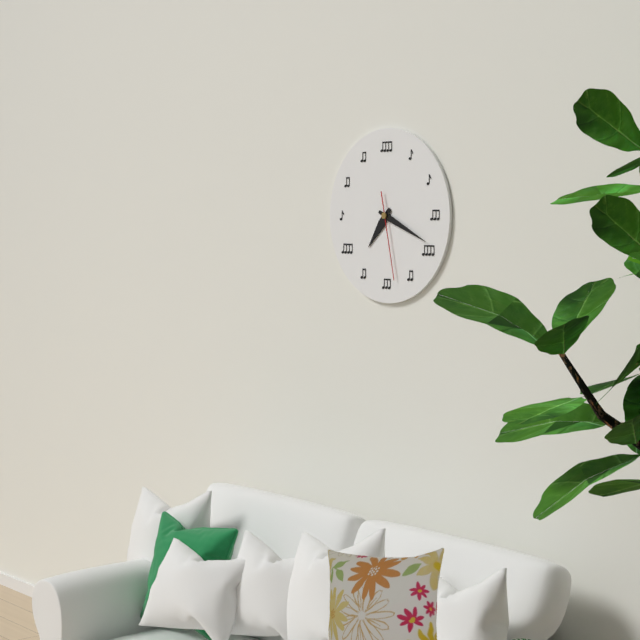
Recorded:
{"hour": 7, "minute": 19, "second": 28}
